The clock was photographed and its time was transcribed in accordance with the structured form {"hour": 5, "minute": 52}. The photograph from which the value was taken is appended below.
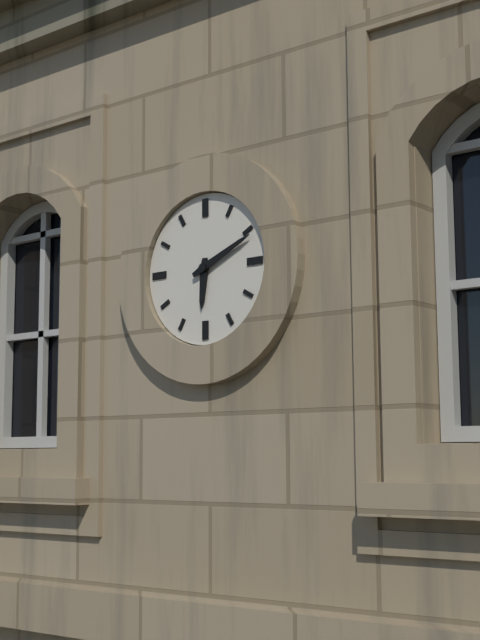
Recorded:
{"hour": 6, "minute": 11}
